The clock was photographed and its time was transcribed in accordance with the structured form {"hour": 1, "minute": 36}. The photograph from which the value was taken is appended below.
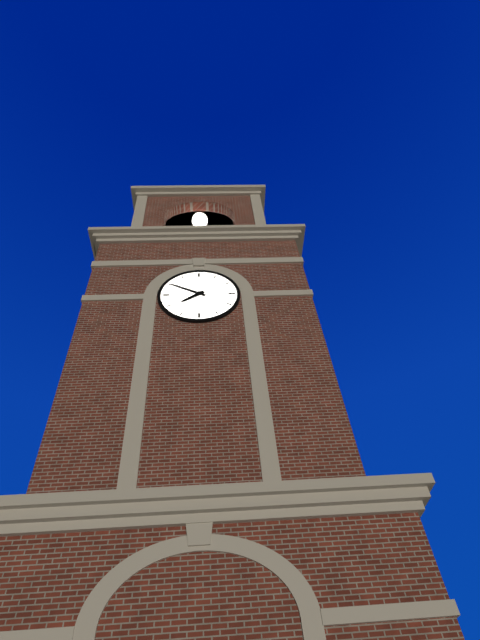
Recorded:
{"hour": 7, "minute": 50}
